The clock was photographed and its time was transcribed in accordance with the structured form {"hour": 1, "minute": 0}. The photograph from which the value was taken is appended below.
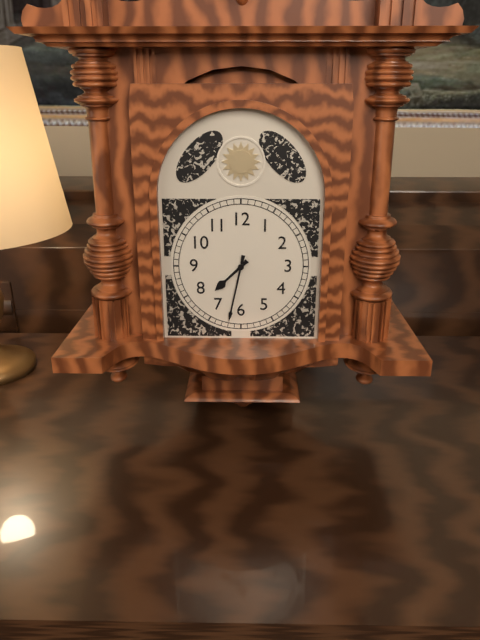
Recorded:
{"hour": 7, "minute": 32}
